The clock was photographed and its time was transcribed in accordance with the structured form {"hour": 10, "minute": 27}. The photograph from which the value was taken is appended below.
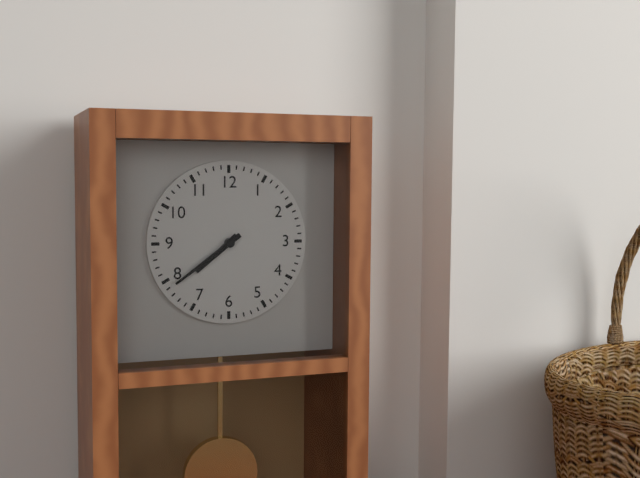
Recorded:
{"hour": 7, "minute": 39}
